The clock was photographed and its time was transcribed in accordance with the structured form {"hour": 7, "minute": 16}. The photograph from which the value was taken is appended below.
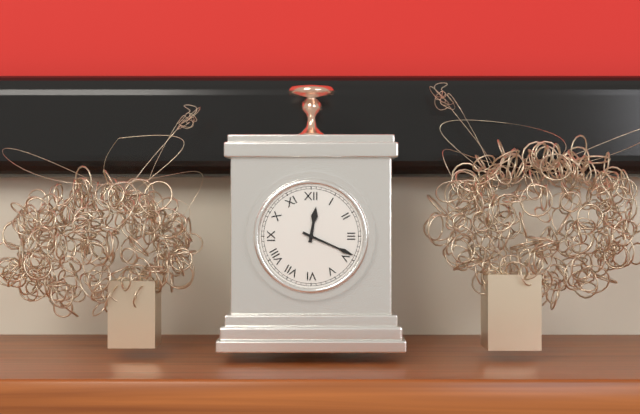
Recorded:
{"hour": 12, "minute": 19}
